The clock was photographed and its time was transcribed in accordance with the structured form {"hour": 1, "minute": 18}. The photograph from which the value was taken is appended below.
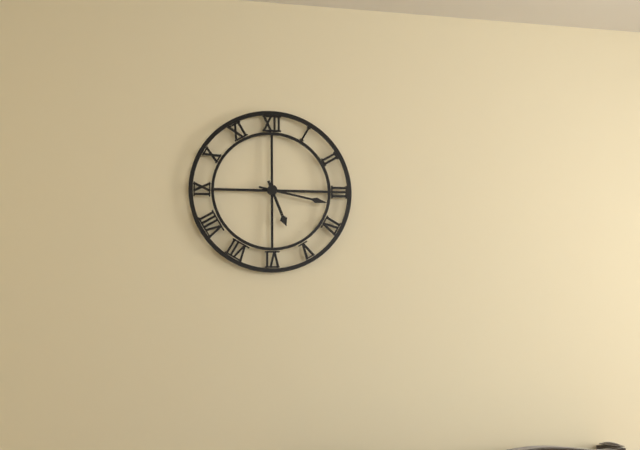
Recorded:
{"hour": 5, "minute": 17}
